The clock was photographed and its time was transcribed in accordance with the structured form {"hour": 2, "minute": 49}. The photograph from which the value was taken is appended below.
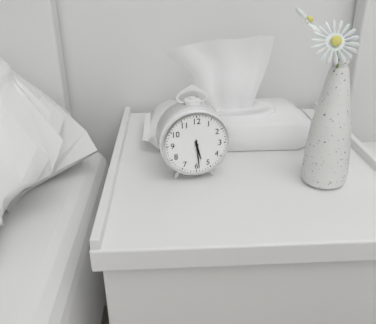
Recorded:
{"hour": 5, "minute": 29}
